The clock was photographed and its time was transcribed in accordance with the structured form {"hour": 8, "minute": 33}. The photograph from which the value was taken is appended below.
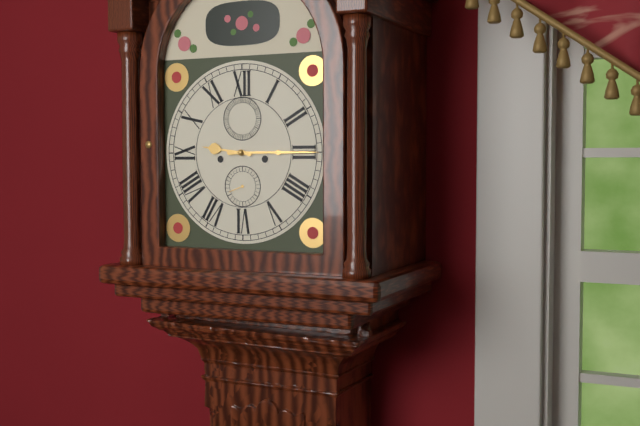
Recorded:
{"hour": 9, "minute": 15}
